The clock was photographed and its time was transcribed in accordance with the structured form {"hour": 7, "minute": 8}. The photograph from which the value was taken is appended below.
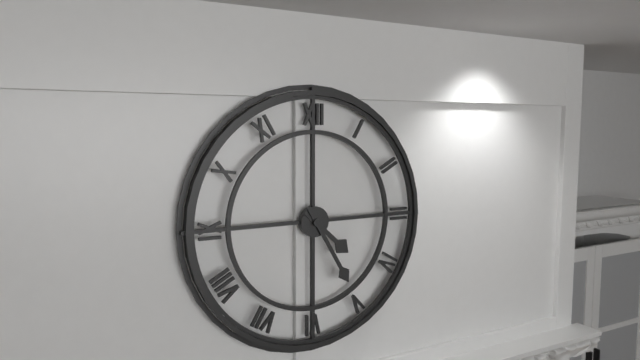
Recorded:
{"hour": 4, "minute": 25}
